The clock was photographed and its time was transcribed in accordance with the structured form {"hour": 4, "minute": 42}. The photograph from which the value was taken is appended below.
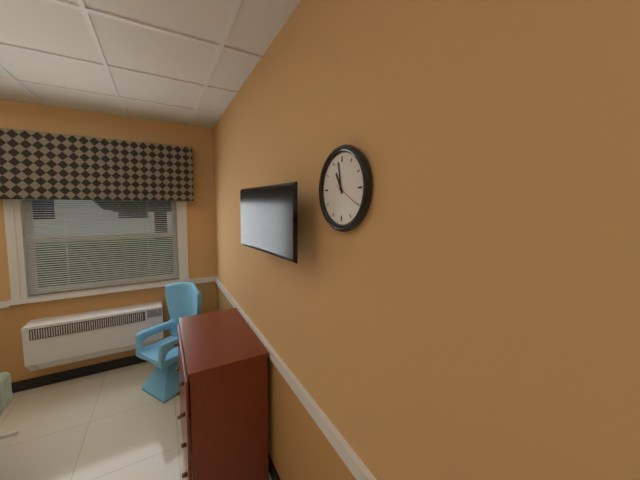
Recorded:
{"hour": 10, "minute": 58}
